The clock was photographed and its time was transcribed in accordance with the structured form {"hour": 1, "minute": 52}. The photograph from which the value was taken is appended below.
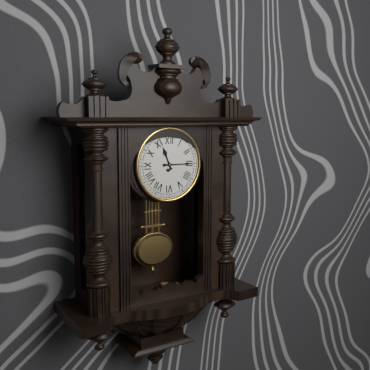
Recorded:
{"hour": 11, "minute": 15}
